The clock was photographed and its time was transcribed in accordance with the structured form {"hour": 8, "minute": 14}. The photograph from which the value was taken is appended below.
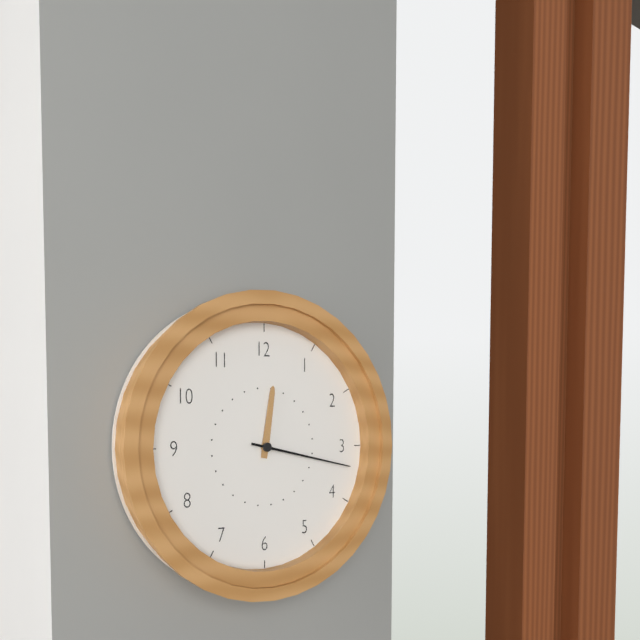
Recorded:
{"hour": 12, "minute": 17}
